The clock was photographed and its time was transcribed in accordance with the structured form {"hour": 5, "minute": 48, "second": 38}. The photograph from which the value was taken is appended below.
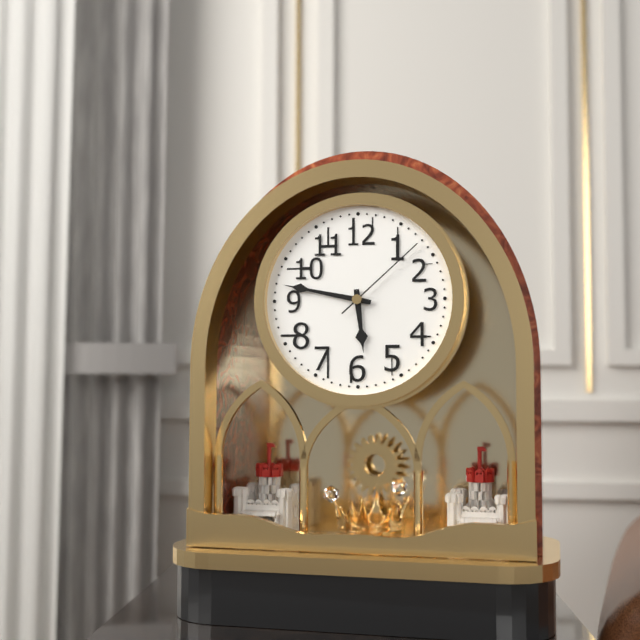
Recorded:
{"hour": 5, "minute": 47, "second": 8}
